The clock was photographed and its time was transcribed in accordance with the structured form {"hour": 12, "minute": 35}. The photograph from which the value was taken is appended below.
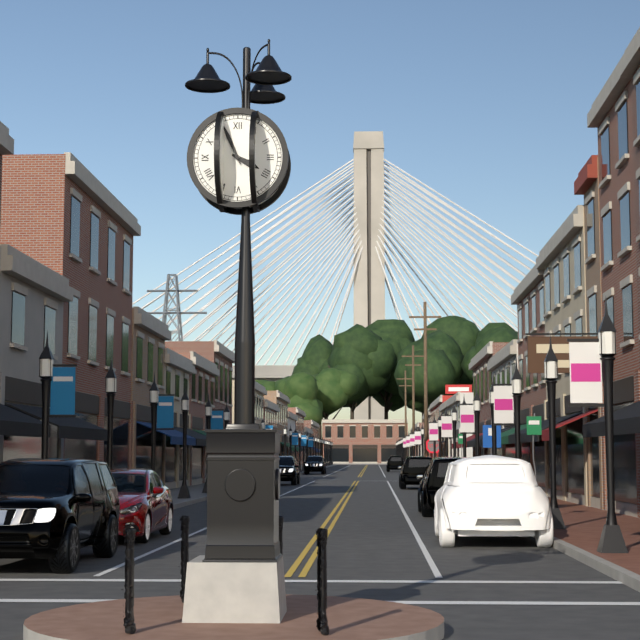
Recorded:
{"hour": 3, "minute": 56}
